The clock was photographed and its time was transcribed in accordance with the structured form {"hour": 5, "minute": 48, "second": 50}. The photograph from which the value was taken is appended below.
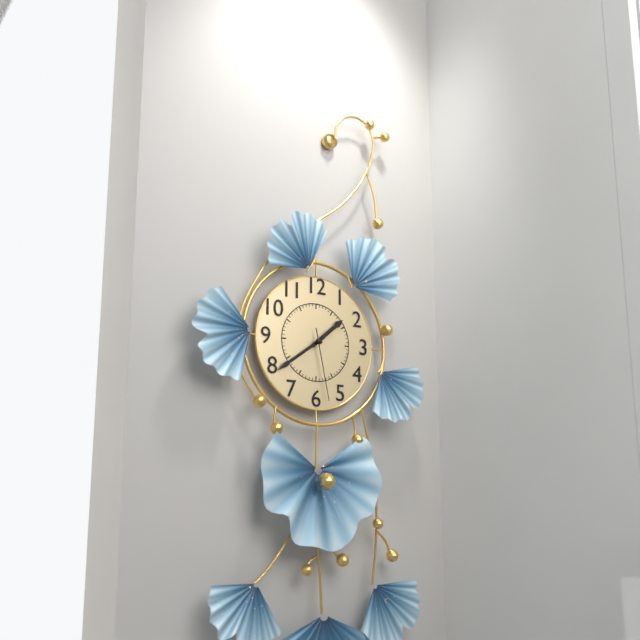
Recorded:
{"hour": 1, "minute": 39, "second": 28}
